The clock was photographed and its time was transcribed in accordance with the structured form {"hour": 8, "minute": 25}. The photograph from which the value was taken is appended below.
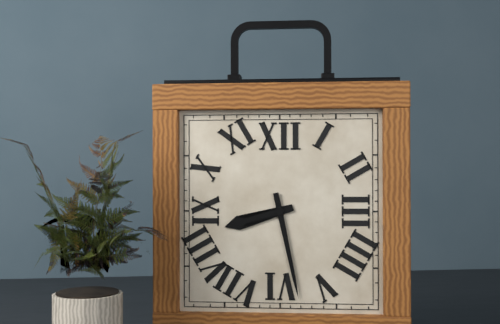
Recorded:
{"hour": 8, "minute": 28}
